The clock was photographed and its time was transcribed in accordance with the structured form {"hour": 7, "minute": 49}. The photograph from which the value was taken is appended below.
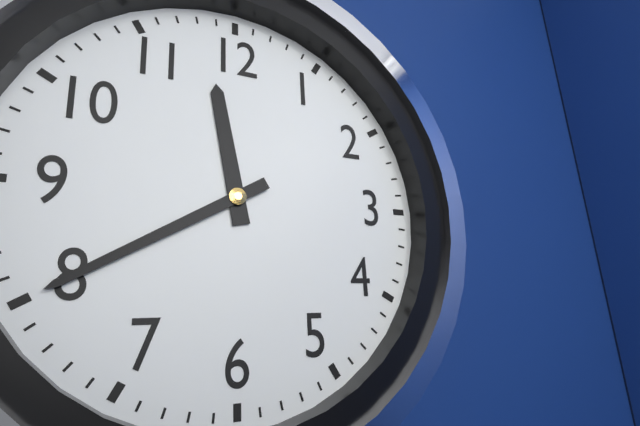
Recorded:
{"hour": 11, "minute": 40}
